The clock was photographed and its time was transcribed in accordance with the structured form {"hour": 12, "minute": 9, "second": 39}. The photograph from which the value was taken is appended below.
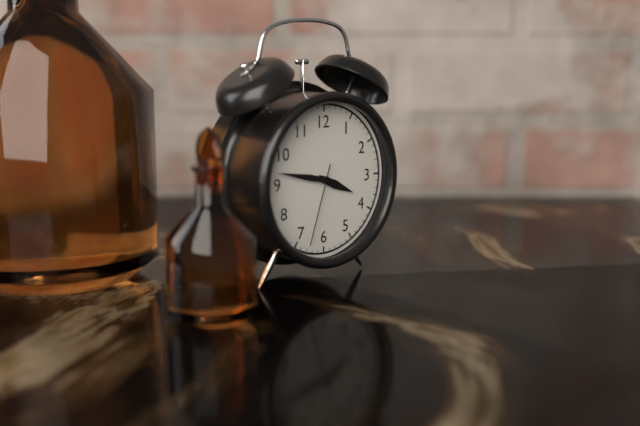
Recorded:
{"hour": 3, "minute": 47, "second": 33}
